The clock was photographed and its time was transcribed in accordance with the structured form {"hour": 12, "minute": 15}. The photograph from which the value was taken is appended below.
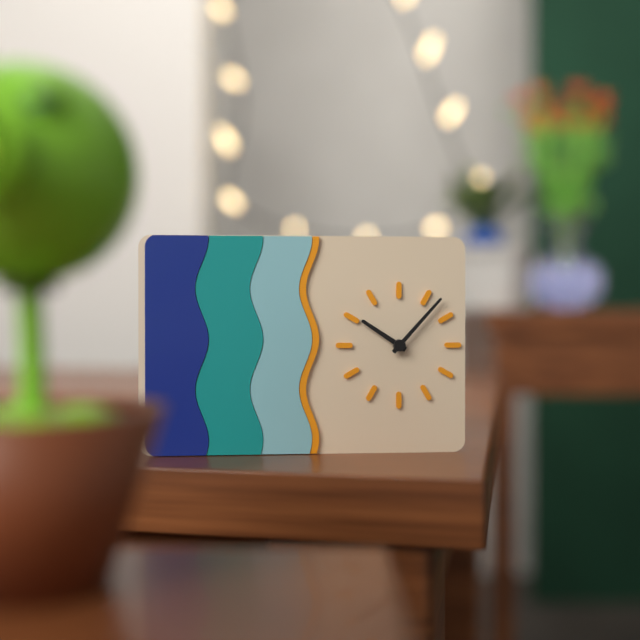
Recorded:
{"hour": 10, "minute": 7}
